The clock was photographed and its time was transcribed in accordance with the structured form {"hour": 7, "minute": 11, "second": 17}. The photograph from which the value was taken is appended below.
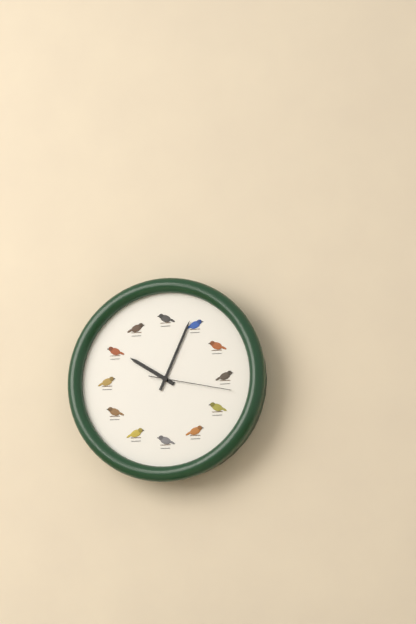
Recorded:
{"hour": 10, "minute": 4, "second": 17}
